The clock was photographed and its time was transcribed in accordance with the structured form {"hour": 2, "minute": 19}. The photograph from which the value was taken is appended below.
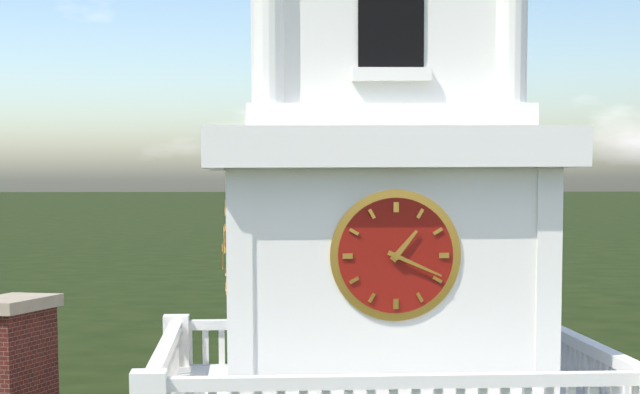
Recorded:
{"hour": 1, "minute": 19}
